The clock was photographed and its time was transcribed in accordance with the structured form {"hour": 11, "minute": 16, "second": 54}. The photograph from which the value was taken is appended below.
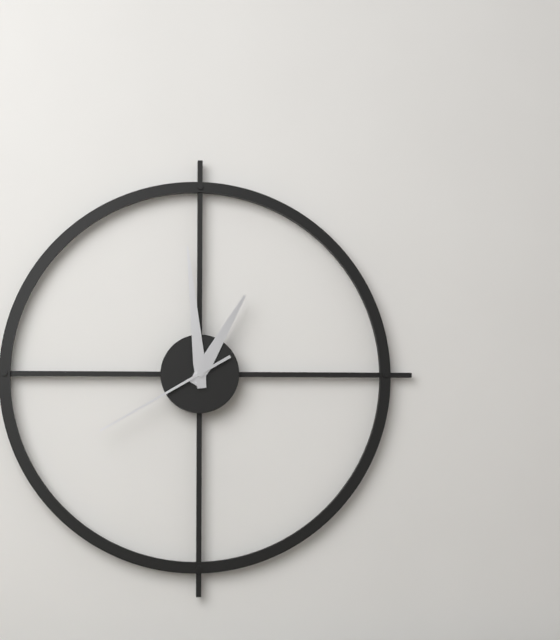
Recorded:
{"hour": 12, "minute": 59, "second": 40}
